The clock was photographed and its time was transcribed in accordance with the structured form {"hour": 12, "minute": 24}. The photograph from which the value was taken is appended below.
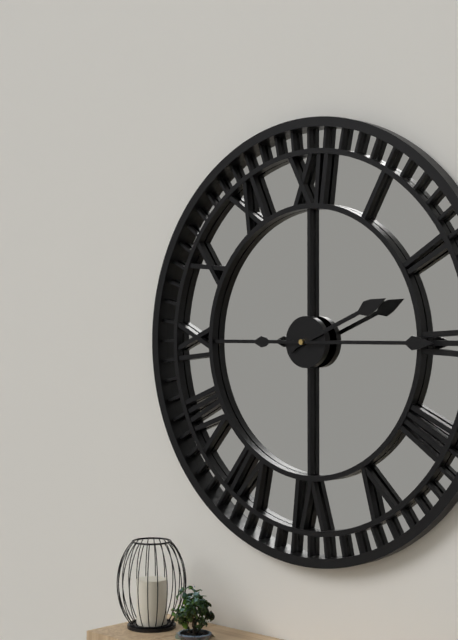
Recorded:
{"hour": 2, "minute": 15}
